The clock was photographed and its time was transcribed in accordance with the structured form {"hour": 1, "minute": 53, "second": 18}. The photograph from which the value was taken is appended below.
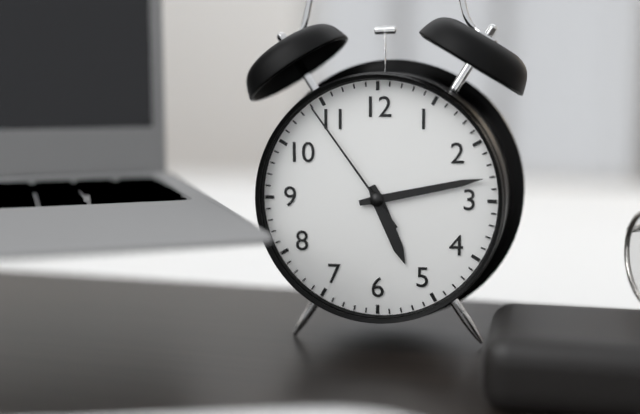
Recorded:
{"hour": 5, "minute": 13, "second": 54}
